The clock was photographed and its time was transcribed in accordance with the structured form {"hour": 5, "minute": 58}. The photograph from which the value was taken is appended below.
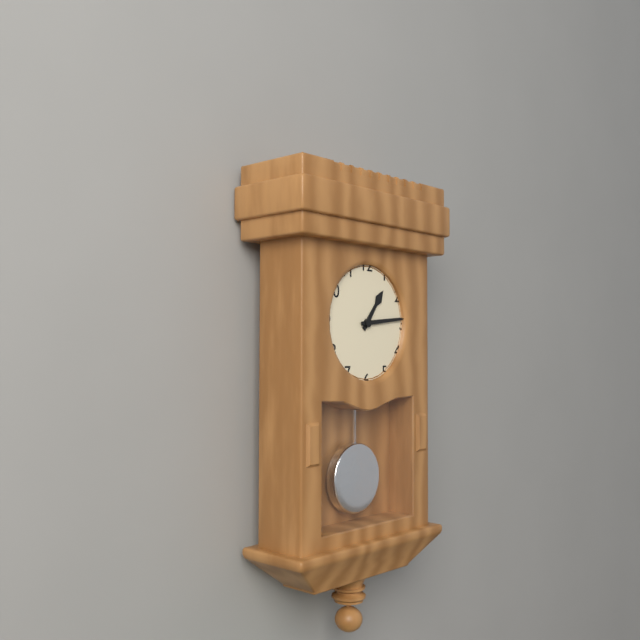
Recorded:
{"hour": 1, "minute": 14}
